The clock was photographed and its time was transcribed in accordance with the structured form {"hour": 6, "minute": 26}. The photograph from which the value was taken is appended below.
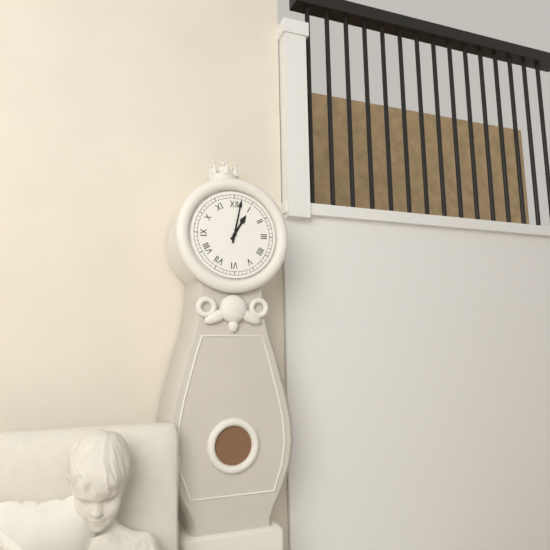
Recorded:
{"hour": 1, "minute": 2}
